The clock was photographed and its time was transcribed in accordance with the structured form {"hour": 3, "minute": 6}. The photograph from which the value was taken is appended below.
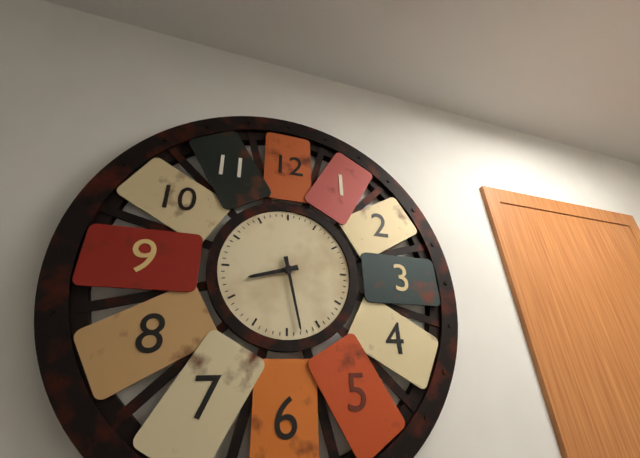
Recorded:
{"hour": 8, "minute": 28}
